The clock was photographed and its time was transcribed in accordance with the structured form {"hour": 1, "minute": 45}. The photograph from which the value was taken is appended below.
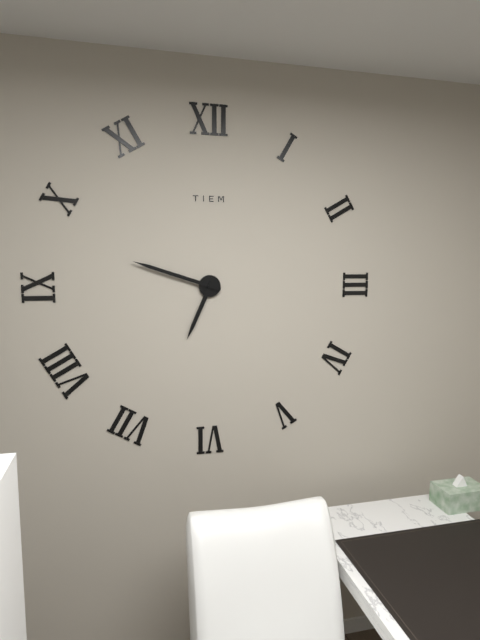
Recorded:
{"hour": 6, "minute": 48}
